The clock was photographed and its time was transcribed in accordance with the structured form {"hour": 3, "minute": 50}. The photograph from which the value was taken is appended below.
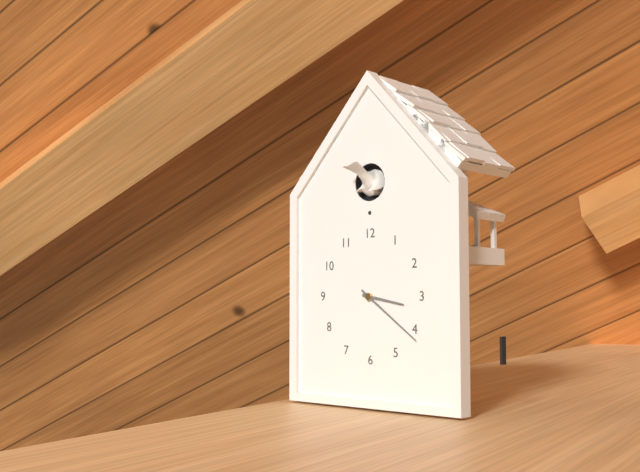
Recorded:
{"hour": 3, "minute": 21}
